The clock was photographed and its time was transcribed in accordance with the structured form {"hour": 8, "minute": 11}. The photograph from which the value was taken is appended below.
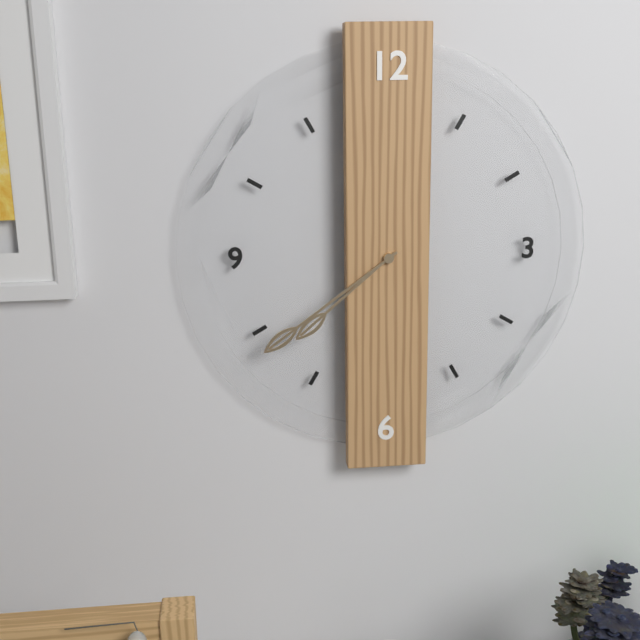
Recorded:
{"hour": 7, "minute": 39}
